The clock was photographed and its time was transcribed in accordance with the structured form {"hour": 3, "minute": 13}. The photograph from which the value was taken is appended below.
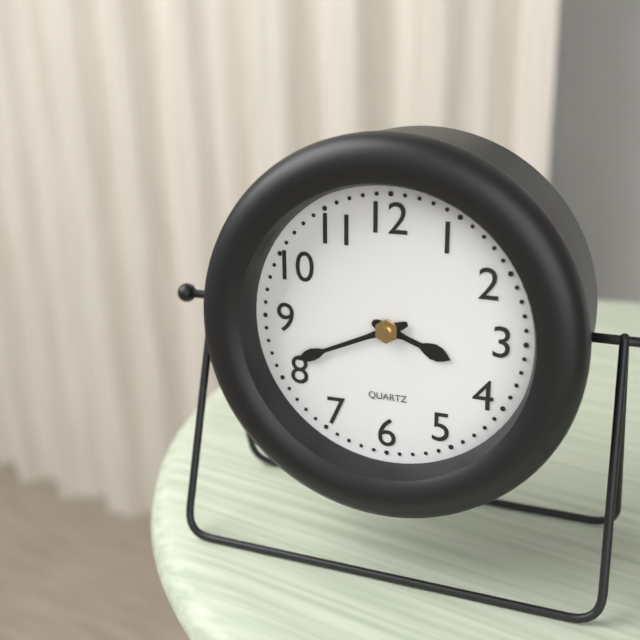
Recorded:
{"hour": 3, "minute": 41}
